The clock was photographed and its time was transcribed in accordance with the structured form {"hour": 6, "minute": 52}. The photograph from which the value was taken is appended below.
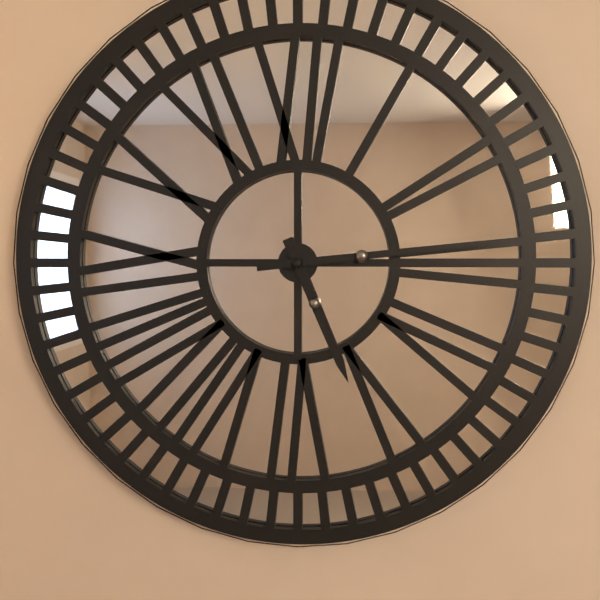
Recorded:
{"hour": 5, "minute": 14}
